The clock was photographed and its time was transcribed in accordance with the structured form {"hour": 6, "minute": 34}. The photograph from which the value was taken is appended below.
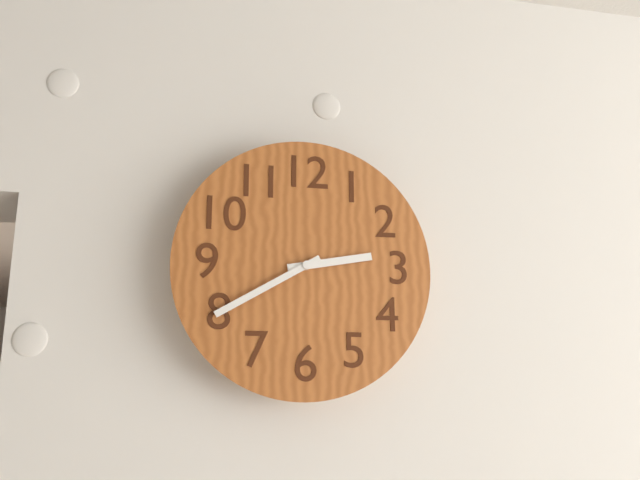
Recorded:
{"hour": 2, "minute": 40}
